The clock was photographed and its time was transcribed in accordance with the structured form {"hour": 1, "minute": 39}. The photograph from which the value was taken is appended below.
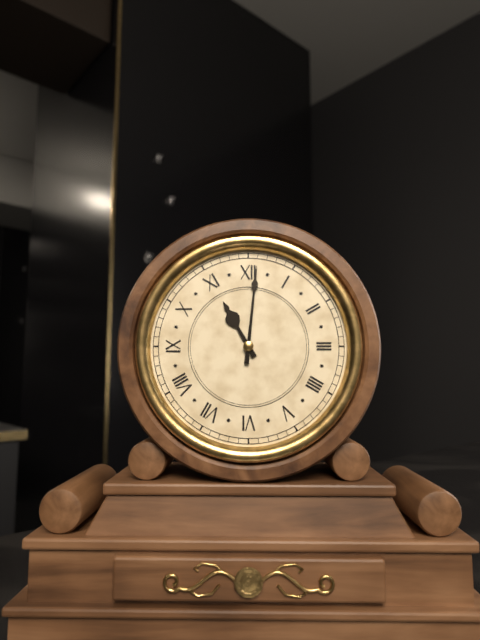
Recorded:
{"hour": 11, "minute": 1}
